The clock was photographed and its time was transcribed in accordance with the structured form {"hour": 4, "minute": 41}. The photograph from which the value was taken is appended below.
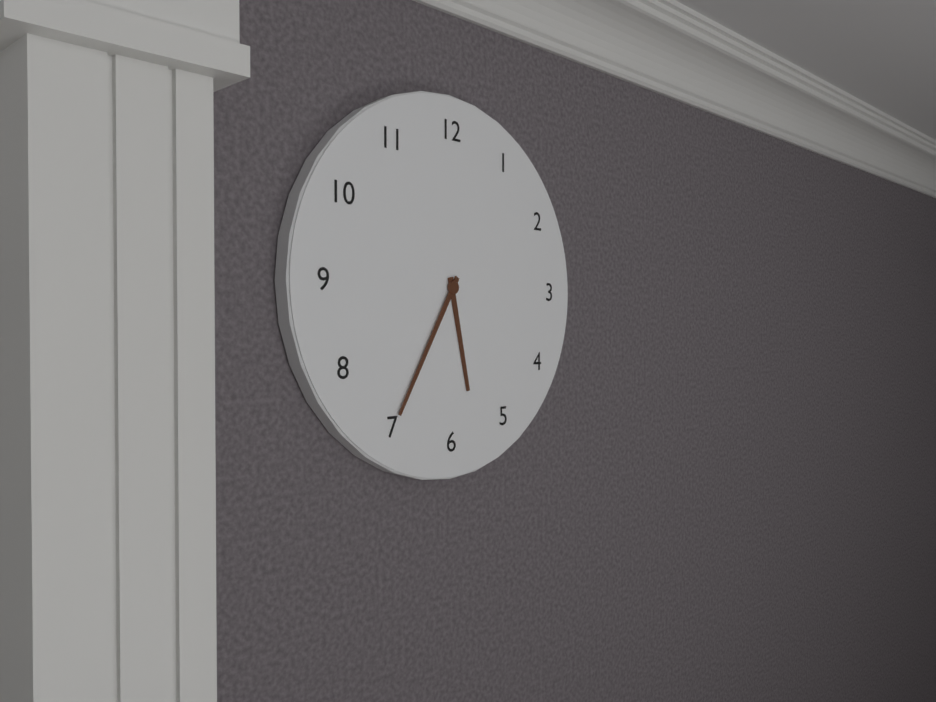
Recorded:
{"hour": 5, "minute": 35}
